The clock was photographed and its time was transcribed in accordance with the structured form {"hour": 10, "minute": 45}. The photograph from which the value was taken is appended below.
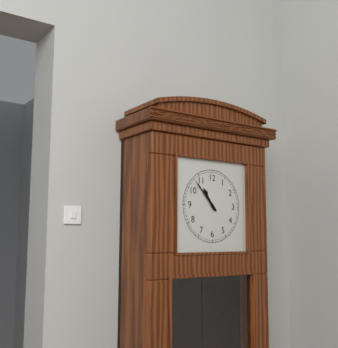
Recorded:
{"hour": 10, "minute": 53}
